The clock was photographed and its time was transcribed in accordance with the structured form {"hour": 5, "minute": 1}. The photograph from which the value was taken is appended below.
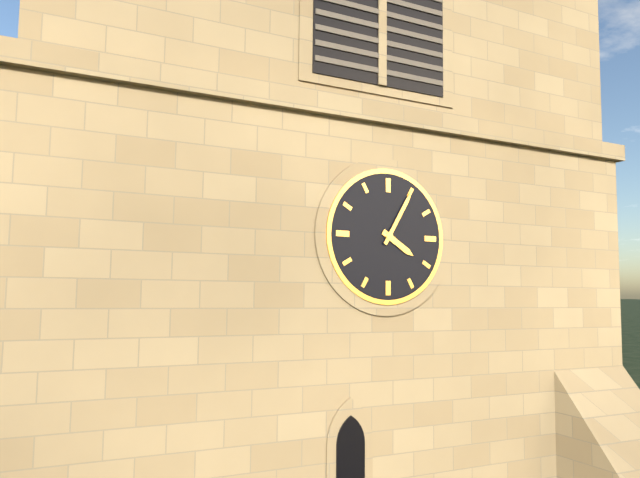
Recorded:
{"hour": 4, "minute": 5}
